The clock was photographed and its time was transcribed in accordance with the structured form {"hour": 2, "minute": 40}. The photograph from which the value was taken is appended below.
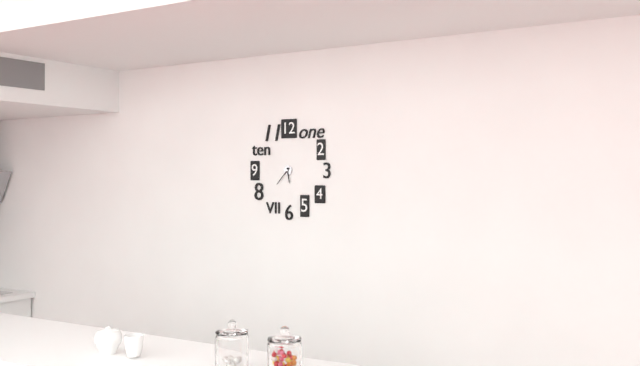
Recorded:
{"hour": 5, "minute": 37}
